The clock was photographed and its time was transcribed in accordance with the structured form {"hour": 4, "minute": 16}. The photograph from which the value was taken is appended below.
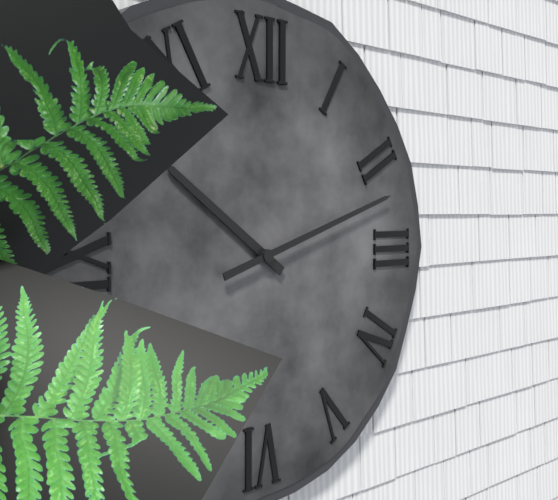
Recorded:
{"hour": 10, "minute": 12}
